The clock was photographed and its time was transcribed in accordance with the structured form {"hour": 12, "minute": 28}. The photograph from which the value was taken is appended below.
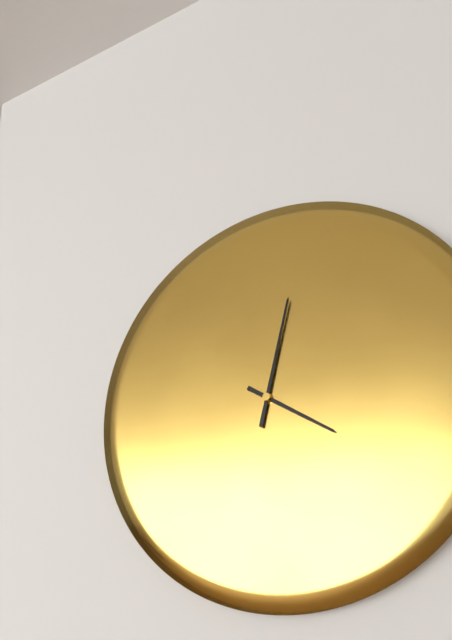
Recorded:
{"hour": 4, "minute": 2}
